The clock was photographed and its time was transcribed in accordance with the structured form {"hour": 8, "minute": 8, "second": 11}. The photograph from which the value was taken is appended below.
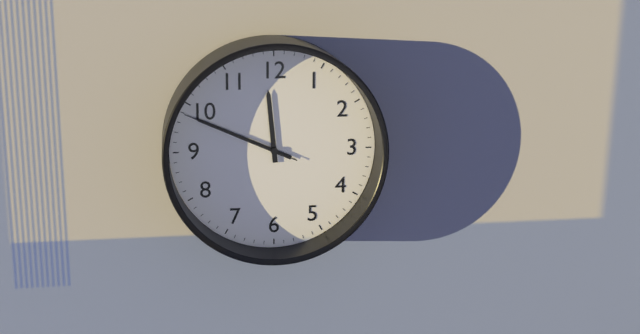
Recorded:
{"hour": 11, "minute": 49, "second": 49}
